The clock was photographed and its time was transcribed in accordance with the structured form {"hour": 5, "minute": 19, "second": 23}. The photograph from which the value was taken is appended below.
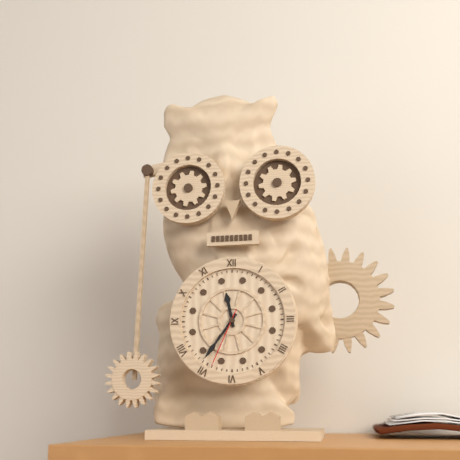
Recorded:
{"hour": 11, "minute": 36, "second": 34}
